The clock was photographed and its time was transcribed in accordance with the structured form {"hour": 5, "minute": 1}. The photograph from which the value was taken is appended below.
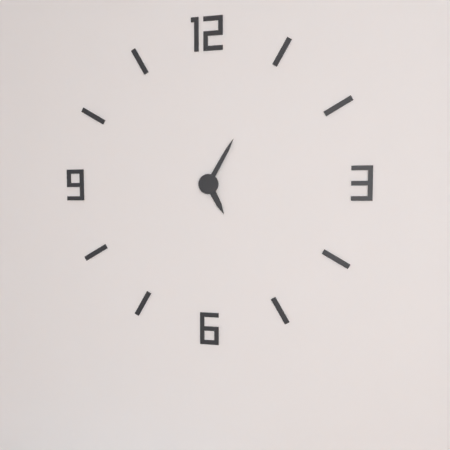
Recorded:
{"hour": 5, "minute": 5}
